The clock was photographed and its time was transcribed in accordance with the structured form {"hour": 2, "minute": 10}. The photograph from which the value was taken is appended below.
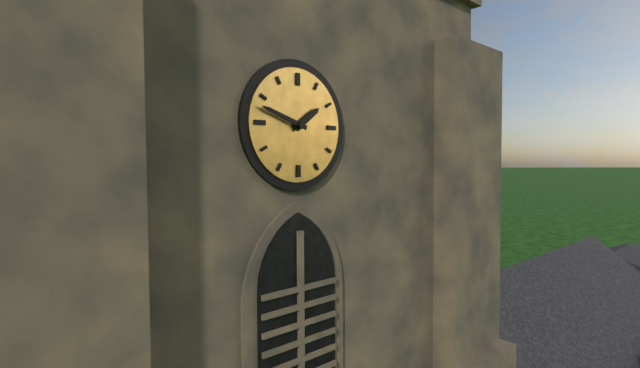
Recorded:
{"hour": 1, "minute": 48}
